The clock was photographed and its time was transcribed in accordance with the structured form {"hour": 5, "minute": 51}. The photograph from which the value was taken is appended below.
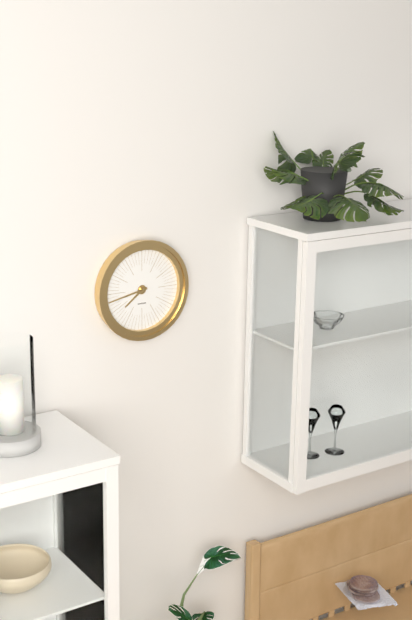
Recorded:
{"hour": 7, "minute": 43}
